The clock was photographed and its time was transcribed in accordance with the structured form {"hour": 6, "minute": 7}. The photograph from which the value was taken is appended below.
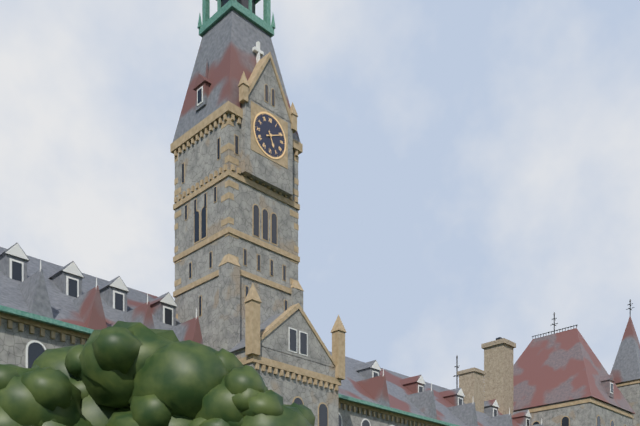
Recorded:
{"hour": 5, "minute": 11}
